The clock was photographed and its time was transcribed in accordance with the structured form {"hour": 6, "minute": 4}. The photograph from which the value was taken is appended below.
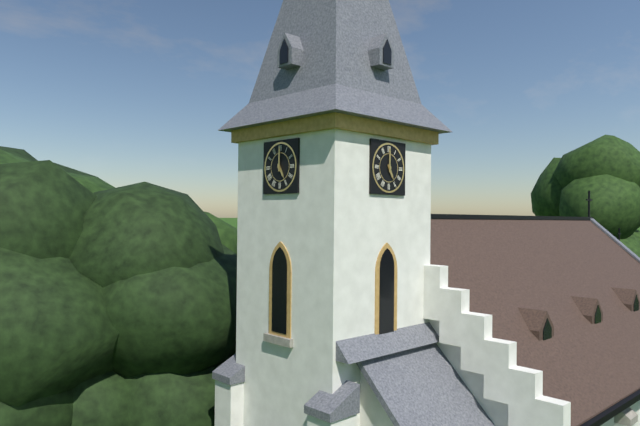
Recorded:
{"hour": 5, "minute": 0}
